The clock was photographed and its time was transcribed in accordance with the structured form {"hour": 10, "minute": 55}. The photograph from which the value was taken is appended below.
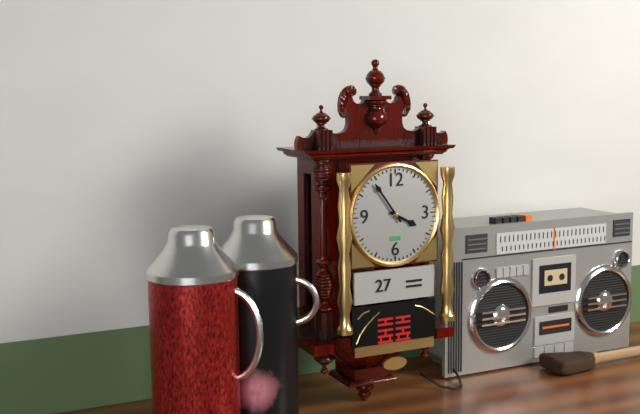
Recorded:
{"hour": 3, "minute": 54}
